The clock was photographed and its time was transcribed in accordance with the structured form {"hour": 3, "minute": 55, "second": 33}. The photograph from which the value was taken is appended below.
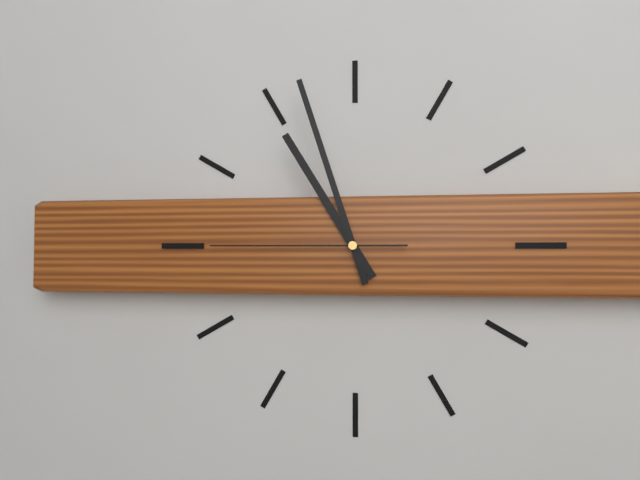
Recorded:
{"hour": 10, "minute": 57, "second": 45}
